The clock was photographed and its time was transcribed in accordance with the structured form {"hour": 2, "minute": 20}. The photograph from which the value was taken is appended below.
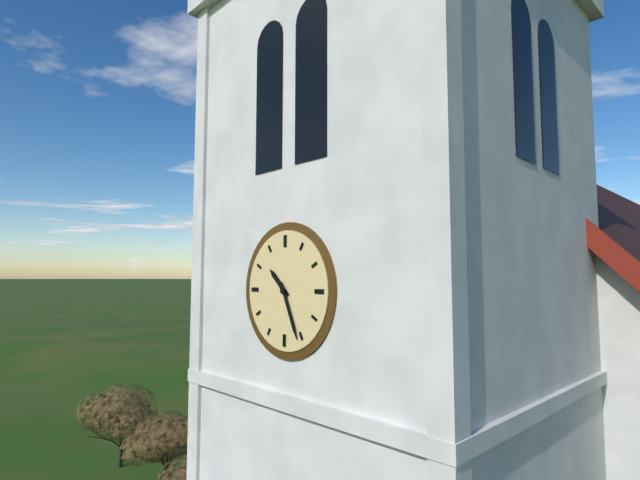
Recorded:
{"hour": 10, "minute": 26}
